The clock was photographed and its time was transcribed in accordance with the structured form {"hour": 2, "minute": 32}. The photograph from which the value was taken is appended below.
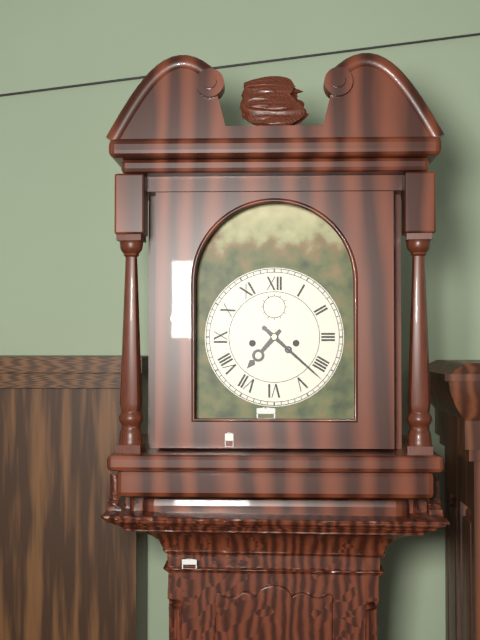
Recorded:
{"hour": 7, "minute": 22}
